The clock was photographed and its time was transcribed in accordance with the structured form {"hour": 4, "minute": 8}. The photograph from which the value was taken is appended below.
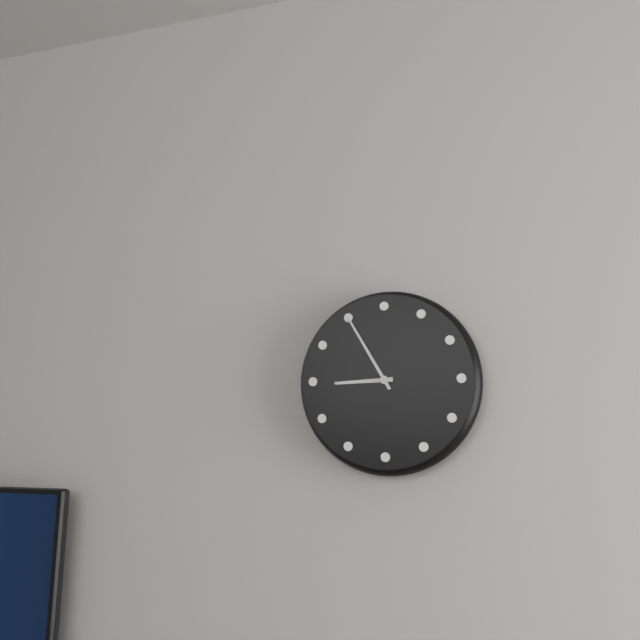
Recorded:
{"hour": 8, "minute": 55}
